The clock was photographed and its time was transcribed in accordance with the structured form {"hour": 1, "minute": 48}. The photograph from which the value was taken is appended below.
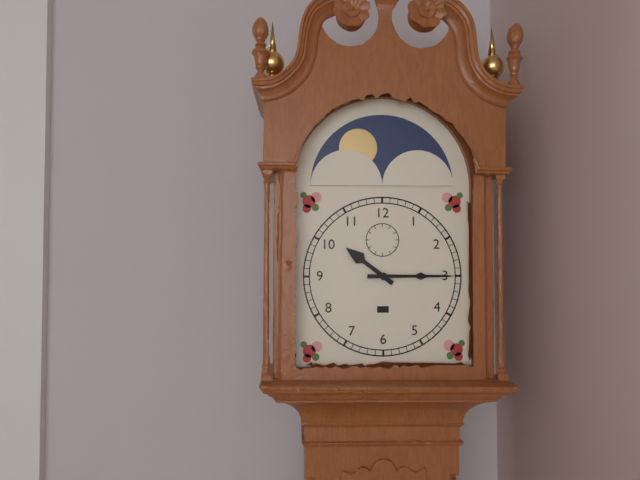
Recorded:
{"hour": 10, "minute": 15}
